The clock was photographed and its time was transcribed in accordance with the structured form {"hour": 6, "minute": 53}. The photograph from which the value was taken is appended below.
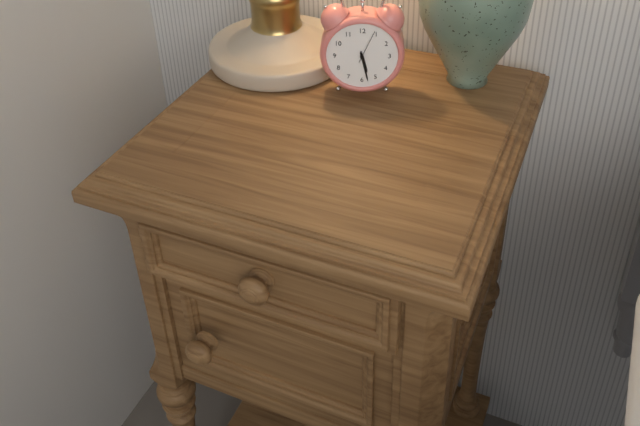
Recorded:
{"hour": 5, "minute": 28}
